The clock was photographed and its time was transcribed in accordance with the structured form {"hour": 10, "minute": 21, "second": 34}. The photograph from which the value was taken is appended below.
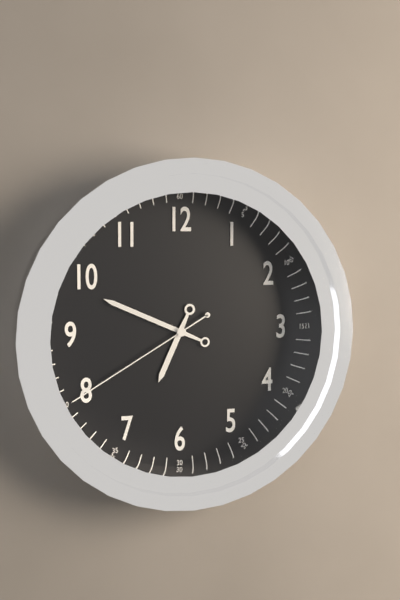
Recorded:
{"hour": 6, "minute": 49, "second": 40}
